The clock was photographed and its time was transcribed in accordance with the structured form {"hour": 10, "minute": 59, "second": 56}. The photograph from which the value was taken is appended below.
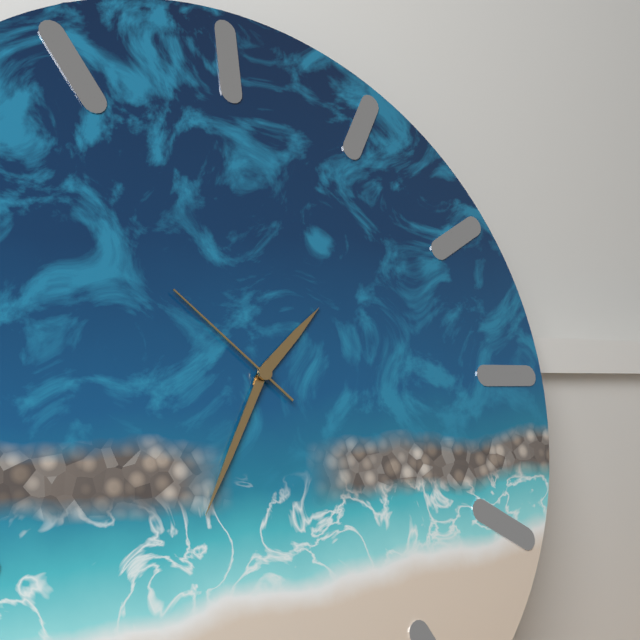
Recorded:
{"hour": 1, "minute": 35, "second": 52}
